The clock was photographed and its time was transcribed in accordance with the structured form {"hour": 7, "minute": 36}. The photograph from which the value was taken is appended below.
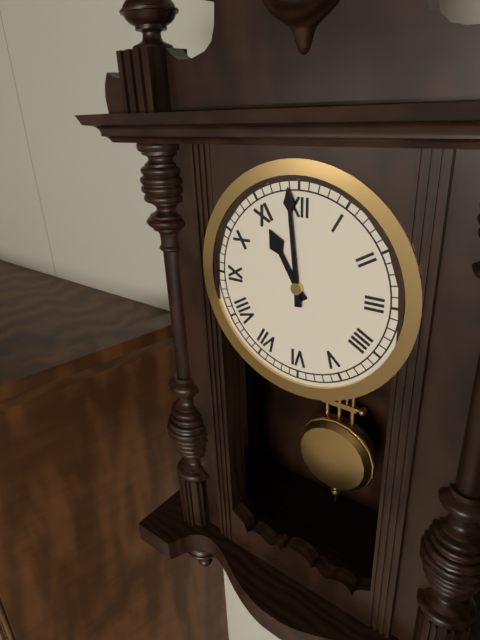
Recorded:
{"hour": 10, "minute": 59}
